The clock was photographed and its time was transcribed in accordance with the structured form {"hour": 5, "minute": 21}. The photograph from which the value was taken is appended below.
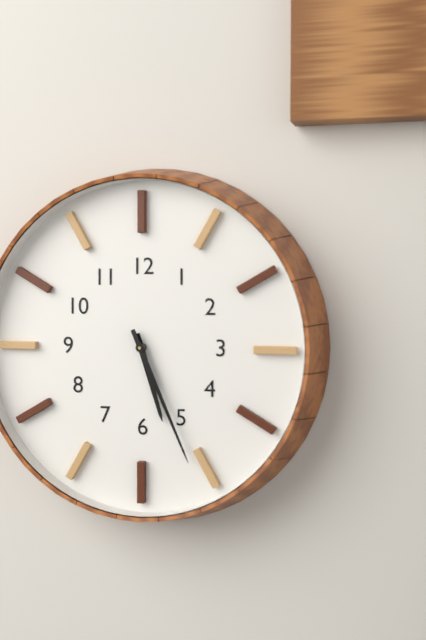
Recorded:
{"hour": 5, "minute": 26}
